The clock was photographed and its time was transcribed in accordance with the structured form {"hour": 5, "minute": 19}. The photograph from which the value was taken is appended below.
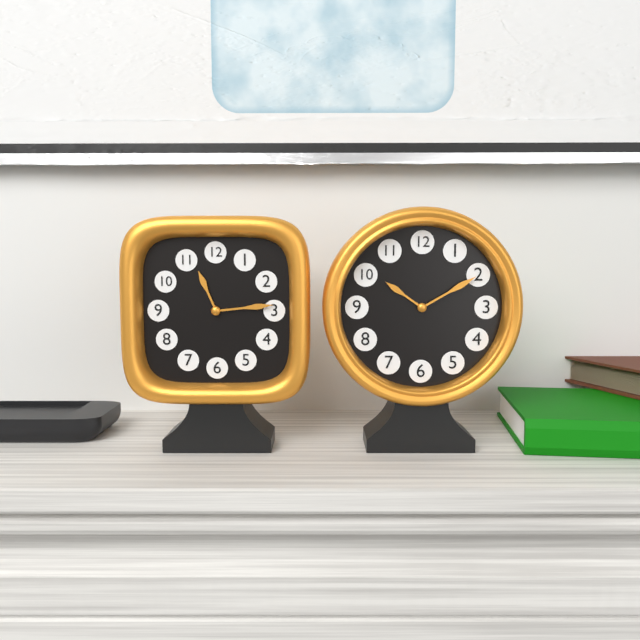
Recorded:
{"hour": 11, "minute": 14}
